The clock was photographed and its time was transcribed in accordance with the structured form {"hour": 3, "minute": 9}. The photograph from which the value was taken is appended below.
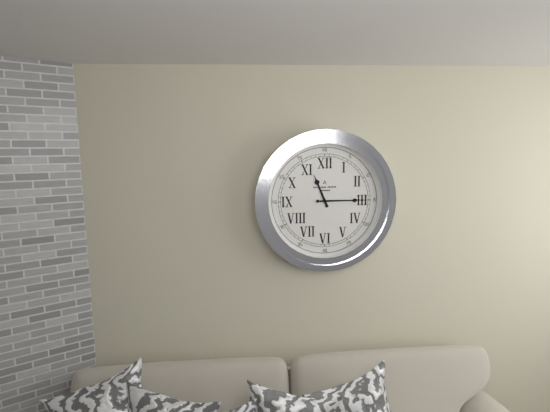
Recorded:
{"hour": 11, "minute": 15}
